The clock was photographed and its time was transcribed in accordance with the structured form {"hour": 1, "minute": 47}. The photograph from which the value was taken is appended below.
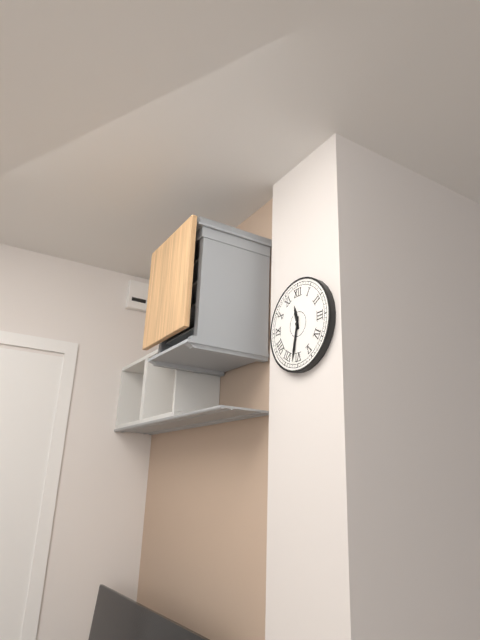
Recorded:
{"hour": 11, "minute": 32}
